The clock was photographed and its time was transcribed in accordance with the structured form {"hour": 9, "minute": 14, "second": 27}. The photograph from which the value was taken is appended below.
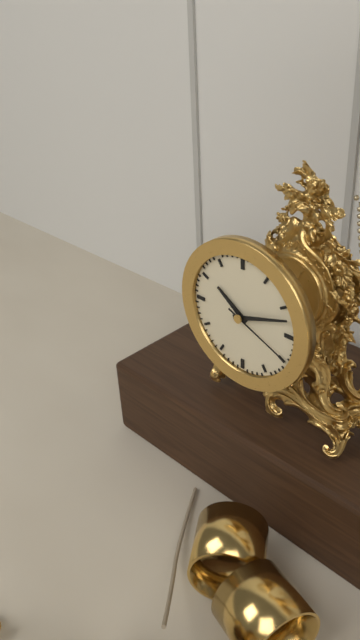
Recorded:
{"hour": 10, "minute": 12, "second": 19}
